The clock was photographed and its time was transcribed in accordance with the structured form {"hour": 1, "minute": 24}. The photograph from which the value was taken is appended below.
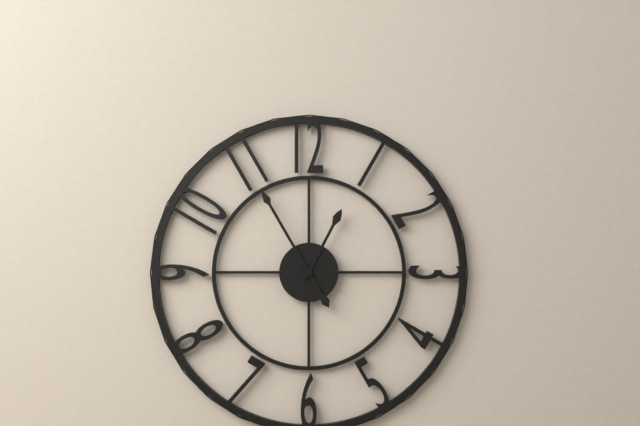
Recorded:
{"hour": 12, "minute": 55}
